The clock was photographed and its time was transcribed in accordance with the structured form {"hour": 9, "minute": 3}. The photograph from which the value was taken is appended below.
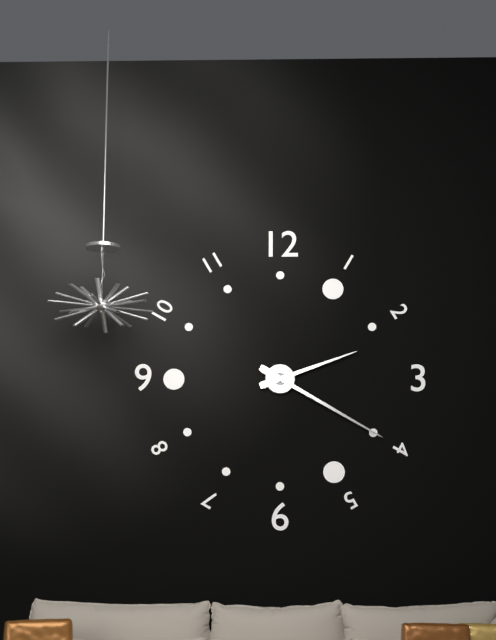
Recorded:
{"hour": 2, "minute": 20}
